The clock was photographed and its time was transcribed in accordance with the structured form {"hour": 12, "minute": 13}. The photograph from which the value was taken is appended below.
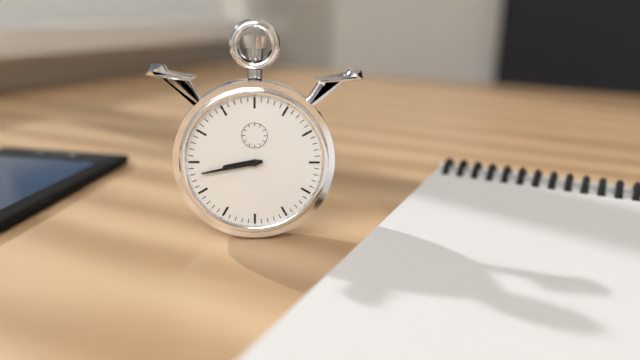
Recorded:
{"hour": 8, "minute": 43}
